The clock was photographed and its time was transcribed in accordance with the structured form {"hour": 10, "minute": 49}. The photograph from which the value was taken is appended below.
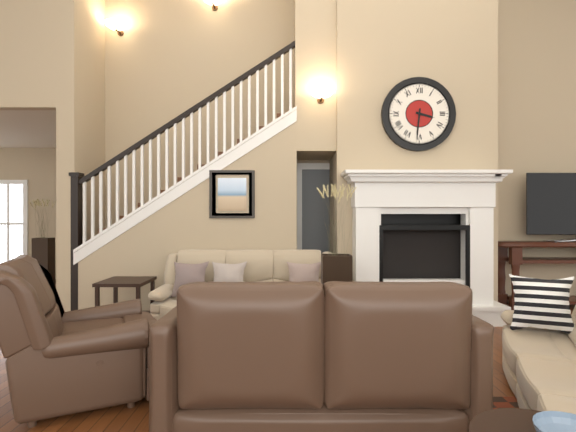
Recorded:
{"hour": 3, "minute": 31}
